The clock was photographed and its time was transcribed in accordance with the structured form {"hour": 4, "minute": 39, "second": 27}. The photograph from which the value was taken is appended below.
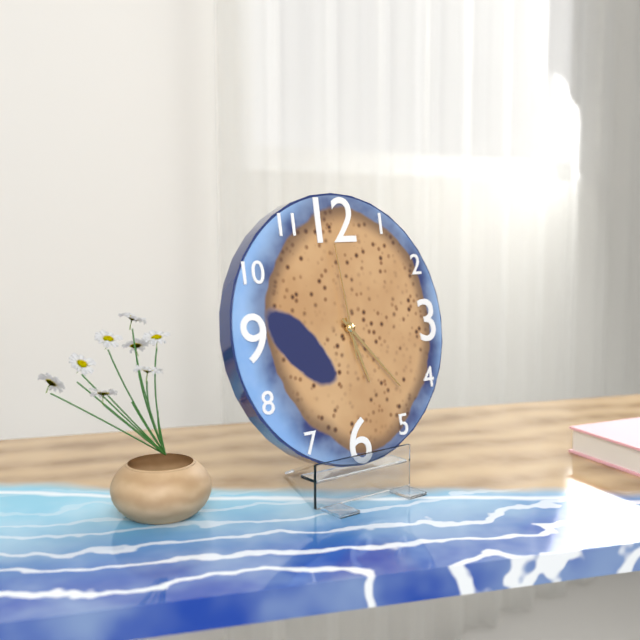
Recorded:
{"hour": 5, "minute": 23, "second": 59}
